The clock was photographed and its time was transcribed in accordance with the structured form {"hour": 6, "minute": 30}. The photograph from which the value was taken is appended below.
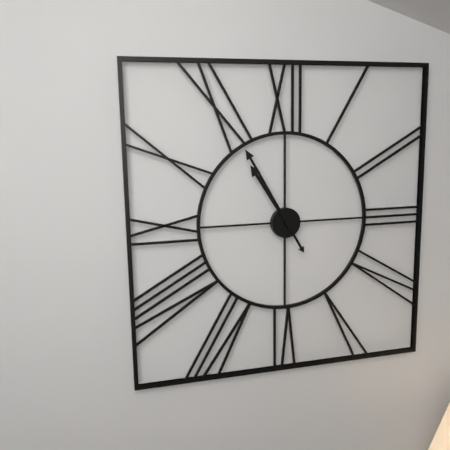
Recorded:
{"hour": 10, "minute": 55}
